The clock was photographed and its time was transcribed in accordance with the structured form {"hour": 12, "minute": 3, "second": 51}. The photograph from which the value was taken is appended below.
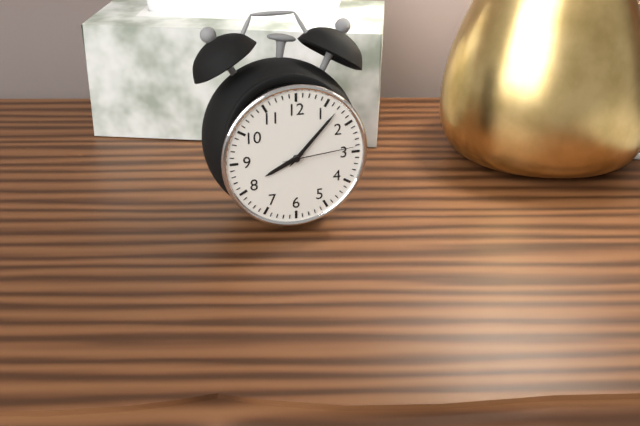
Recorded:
{"hour": 8, "minute": 7, "second": 14}
